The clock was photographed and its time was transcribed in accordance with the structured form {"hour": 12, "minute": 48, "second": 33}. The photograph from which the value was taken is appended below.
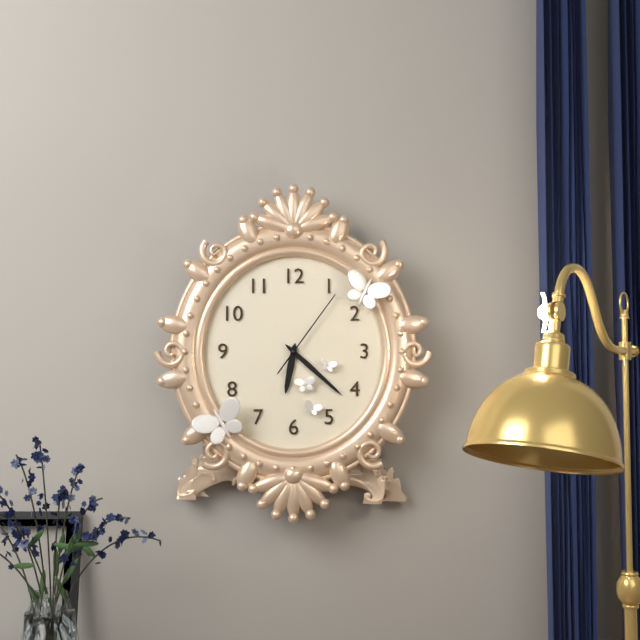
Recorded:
{"hour": 6, "minute": 22, "second": 6}
